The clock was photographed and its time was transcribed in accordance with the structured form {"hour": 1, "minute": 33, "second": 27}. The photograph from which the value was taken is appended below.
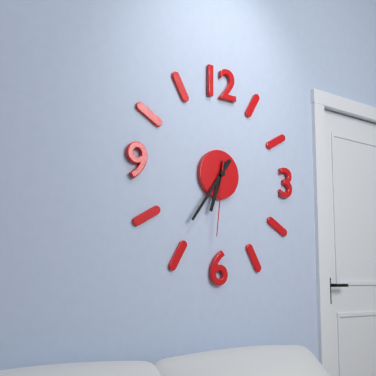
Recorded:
{"hour": 6, "minute": 36, "second": 31}
